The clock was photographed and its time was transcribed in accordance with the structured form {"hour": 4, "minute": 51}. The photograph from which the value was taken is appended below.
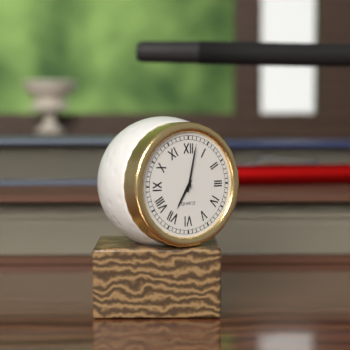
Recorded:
{"hour": 7, "minute": 2}
